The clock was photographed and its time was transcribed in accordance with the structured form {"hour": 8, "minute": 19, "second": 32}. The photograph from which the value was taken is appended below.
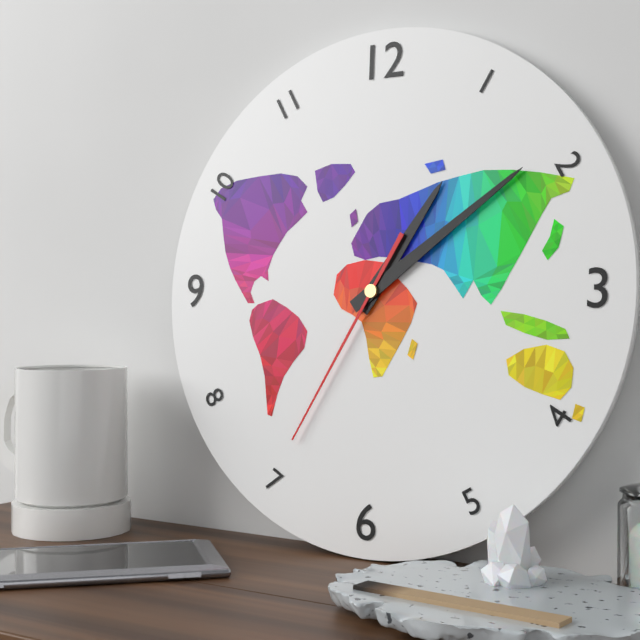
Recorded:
{"hour": 1, "minute": 9, "second": 35}
